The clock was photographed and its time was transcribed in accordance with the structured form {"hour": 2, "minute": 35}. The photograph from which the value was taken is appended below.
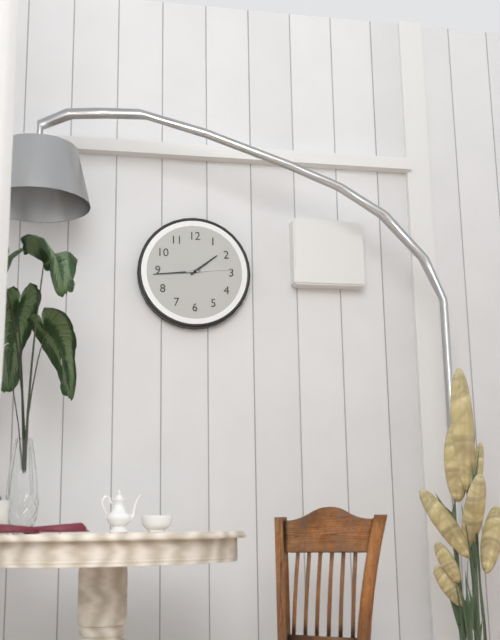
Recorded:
{"hour": 1, "minute": 44}
